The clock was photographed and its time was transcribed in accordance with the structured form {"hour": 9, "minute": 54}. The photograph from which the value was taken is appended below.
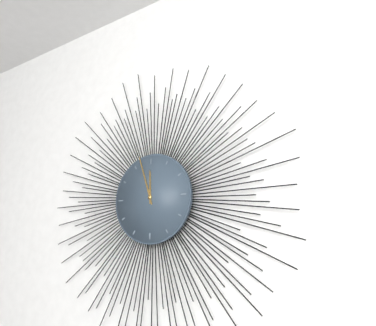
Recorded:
{"hour": 11, "minute": 57}
